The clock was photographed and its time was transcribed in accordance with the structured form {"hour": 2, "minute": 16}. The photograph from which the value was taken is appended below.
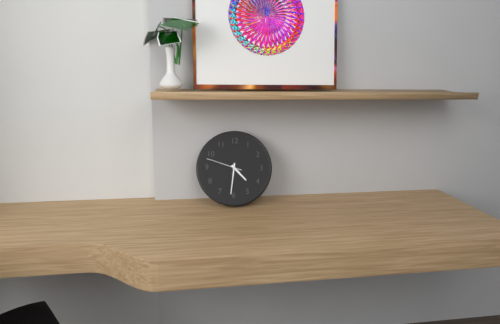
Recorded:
{"hour": 4, "minute": 31}
